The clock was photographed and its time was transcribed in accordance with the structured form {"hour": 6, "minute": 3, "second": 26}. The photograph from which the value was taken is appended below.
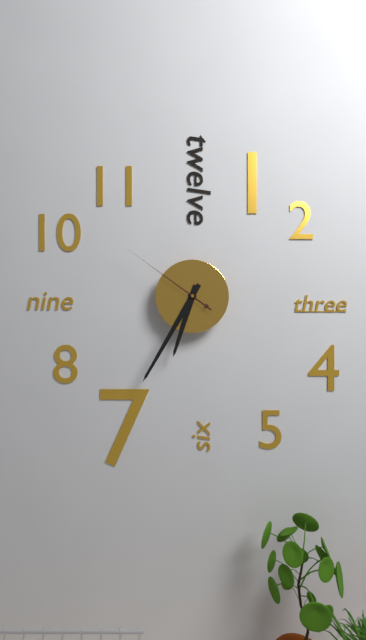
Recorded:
{"hour": 6, "minute": 35, "second": 51}
